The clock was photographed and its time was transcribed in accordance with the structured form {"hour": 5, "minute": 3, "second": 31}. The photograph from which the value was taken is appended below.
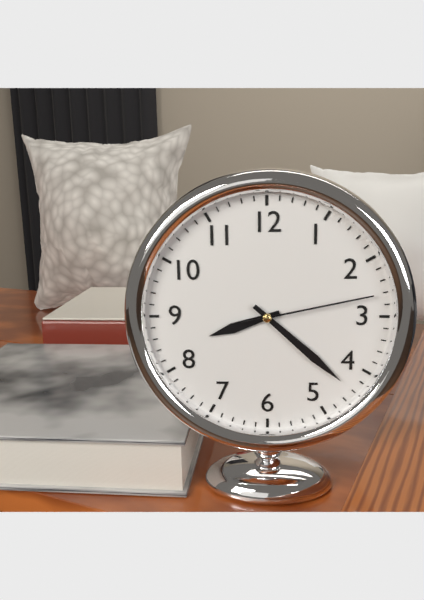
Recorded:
{"hour": 8, "minute": 22, "second": 13}
